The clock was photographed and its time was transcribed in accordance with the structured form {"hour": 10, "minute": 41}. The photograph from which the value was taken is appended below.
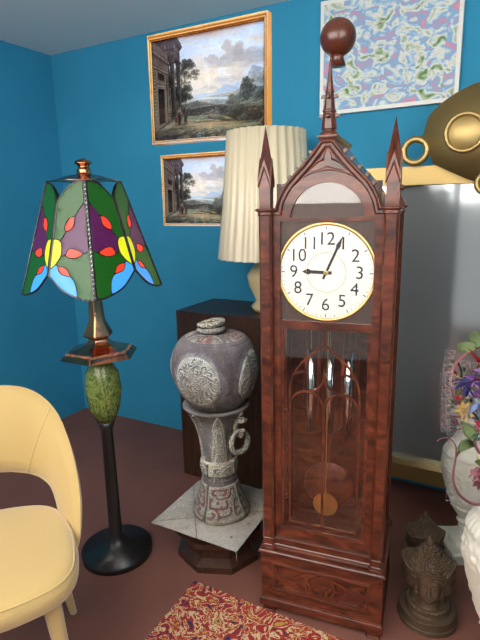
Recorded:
{"hour": 9, "minute": 4}
